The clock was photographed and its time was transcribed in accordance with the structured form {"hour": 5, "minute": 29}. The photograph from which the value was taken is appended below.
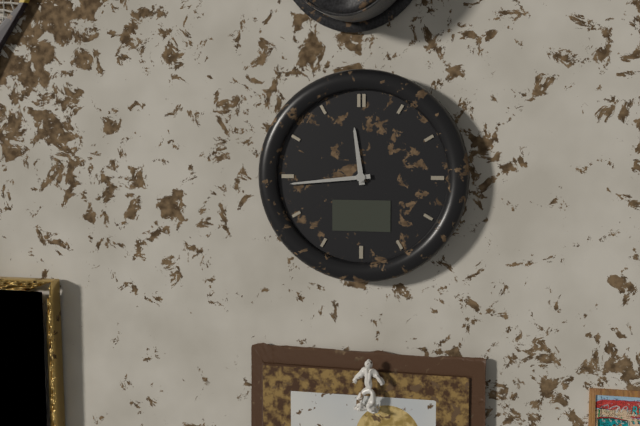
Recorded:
{"hour": 11, "minute": 44}
